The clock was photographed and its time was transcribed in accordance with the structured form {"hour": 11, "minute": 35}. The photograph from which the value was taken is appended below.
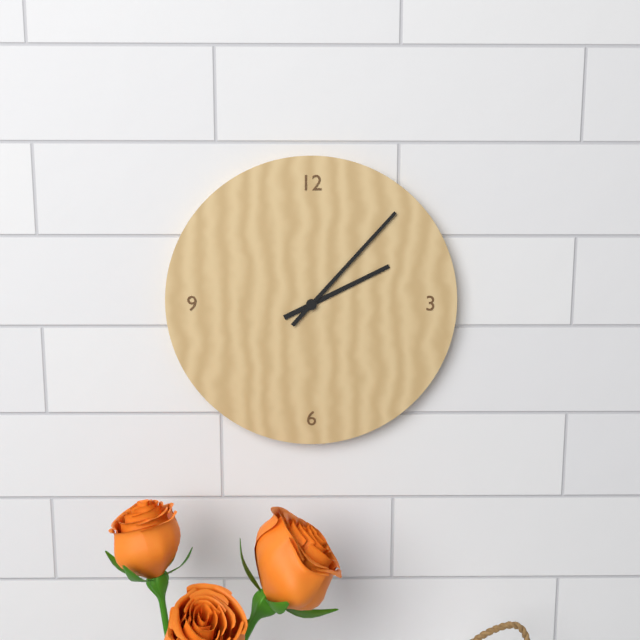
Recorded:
{"hour": 2, "minute": 7}
